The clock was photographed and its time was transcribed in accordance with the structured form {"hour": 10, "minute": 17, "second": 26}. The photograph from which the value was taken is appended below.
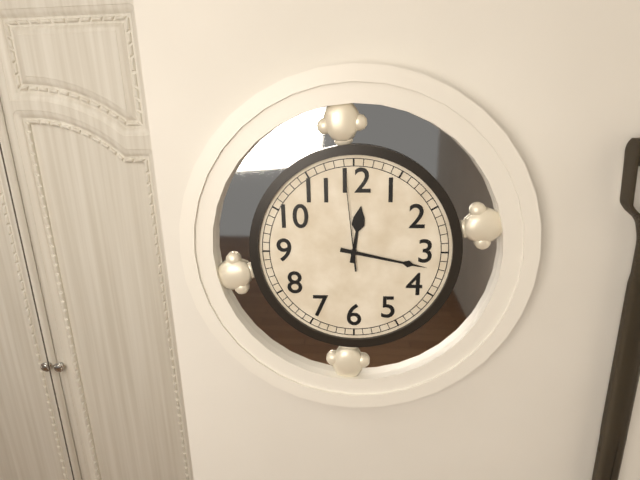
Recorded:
{"hour": 12, "minute": 17, "second": 59}
